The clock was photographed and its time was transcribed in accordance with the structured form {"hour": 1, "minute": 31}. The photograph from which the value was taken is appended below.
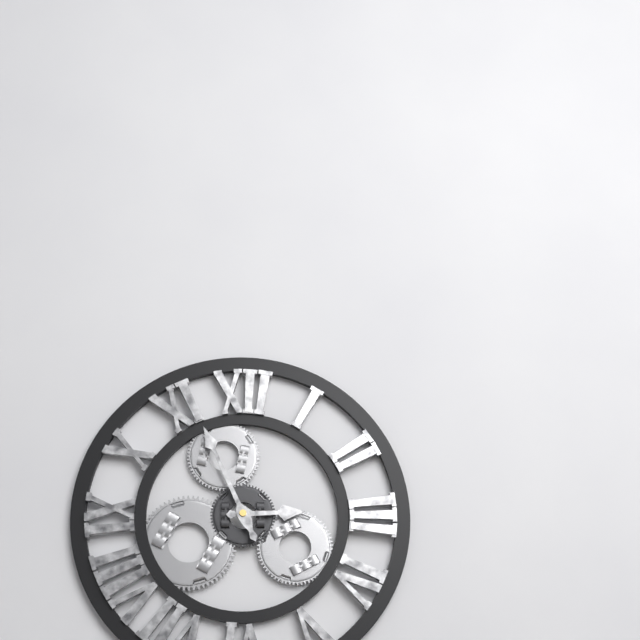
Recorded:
{"hour": 2, "minute": 56}
